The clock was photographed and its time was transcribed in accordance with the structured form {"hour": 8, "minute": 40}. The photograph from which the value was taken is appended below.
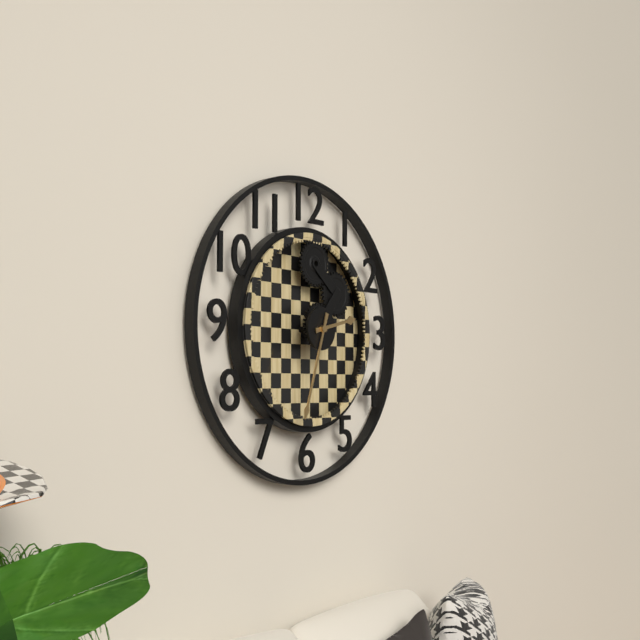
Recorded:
{"hour": 2, "minute": 33}
